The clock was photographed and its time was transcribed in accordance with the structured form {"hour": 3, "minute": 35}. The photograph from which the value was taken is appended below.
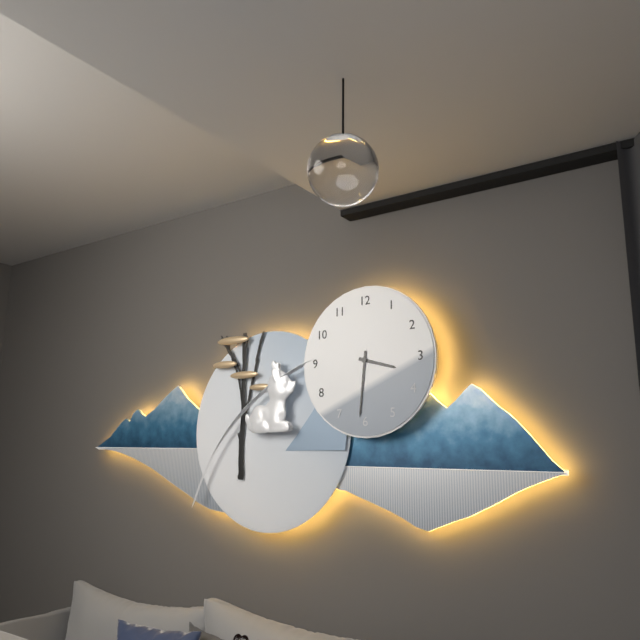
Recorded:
{"hour": 3, "minute": 31}
